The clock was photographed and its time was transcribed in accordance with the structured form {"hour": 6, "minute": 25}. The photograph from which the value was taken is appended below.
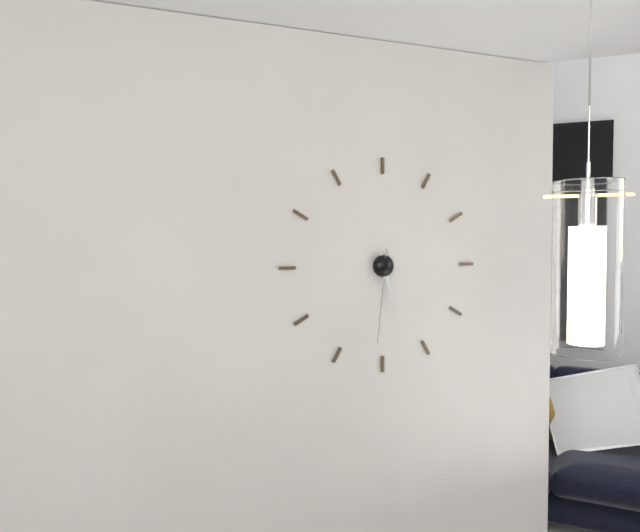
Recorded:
{"hour": 5, "minute": 31}
